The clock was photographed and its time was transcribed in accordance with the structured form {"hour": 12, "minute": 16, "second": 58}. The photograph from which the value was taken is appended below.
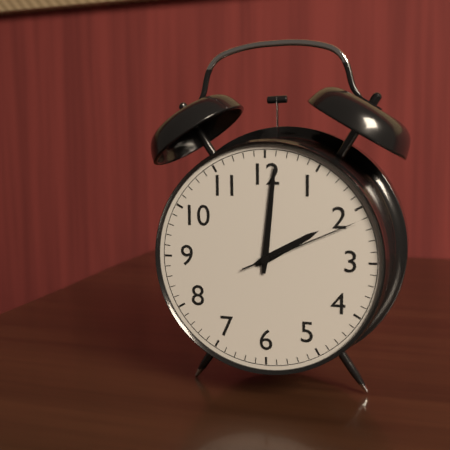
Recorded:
{"hour": 2, "minute": 1, "second": 11}
